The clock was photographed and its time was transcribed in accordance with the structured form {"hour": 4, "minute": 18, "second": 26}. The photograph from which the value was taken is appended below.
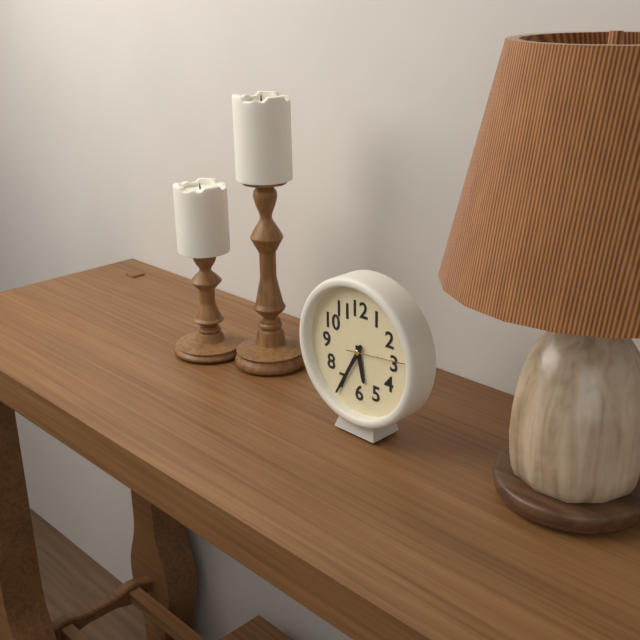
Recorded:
{"hour": 5, "minute": 35, "second": 14}
